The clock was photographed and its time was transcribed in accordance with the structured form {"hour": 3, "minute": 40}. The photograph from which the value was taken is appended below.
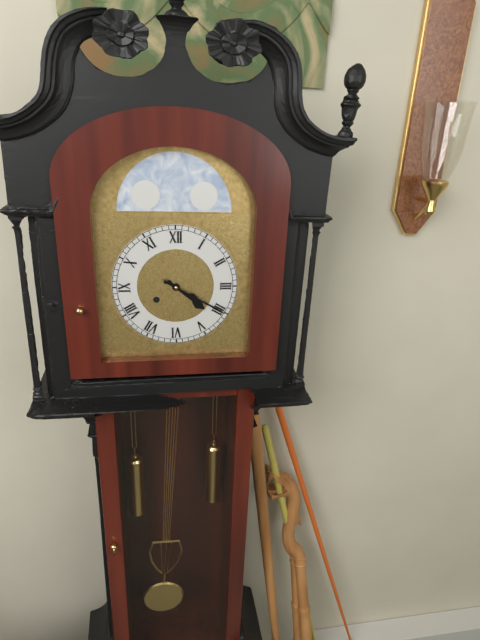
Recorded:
{"hour": 4, "minute": 20}
